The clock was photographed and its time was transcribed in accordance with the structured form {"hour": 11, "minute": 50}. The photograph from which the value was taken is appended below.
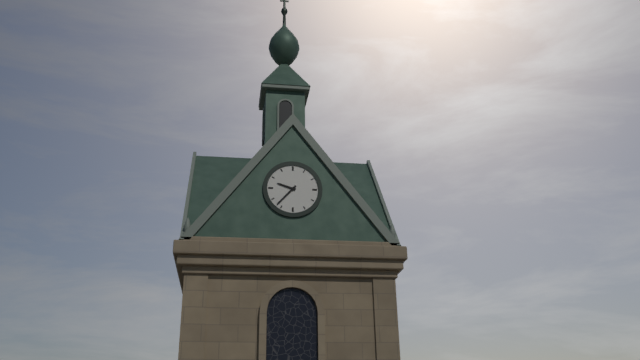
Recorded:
{"hour": 9, "minute": 37}
